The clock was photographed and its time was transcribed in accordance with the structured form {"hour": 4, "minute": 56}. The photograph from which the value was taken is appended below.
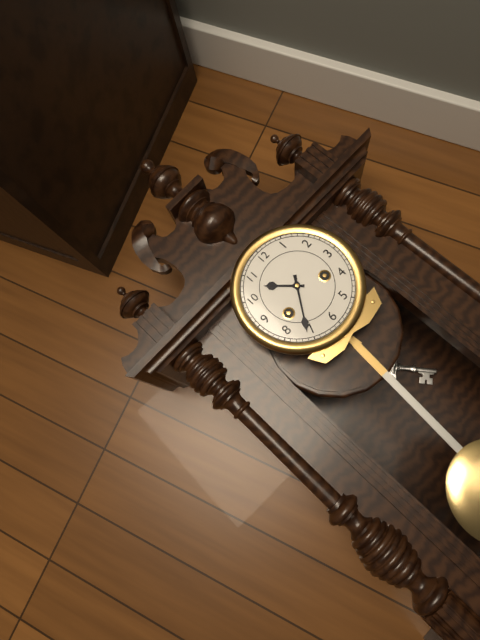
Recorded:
{"hour": 10, "minute": 36}
